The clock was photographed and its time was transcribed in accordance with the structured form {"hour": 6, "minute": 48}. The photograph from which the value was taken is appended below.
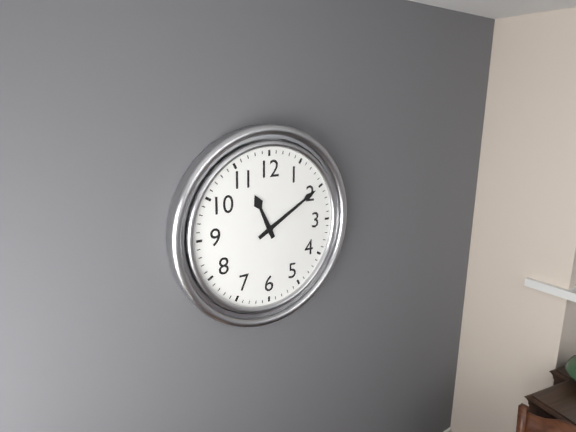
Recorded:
{"hour": 11, "minute": 10}
